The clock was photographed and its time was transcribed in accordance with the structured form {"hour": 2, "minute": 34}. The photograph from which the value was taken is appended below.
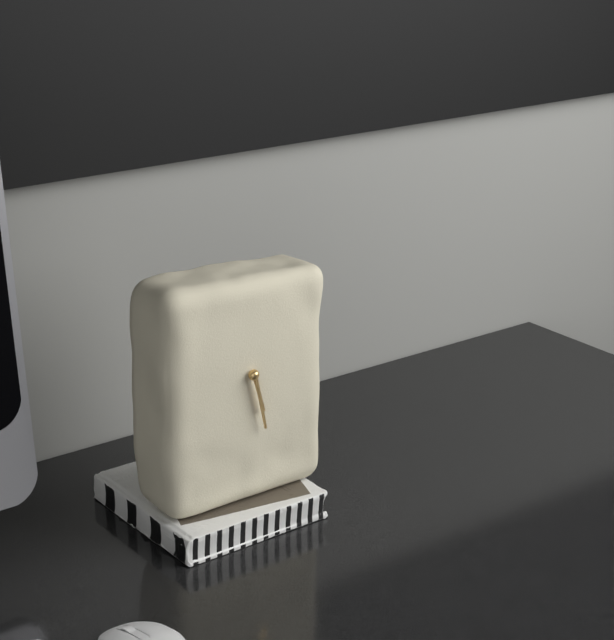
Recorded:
{"hour": 5, "minute": 28}
